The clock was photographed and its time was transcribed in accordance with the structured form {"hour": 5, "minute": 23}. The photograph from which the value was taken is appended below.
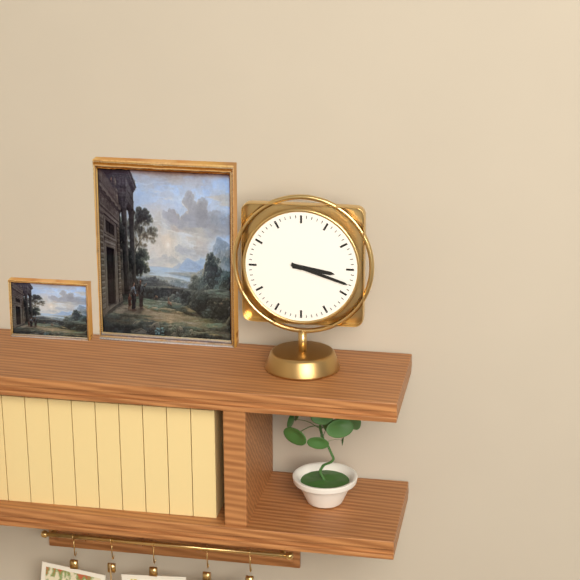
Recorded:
{"hour": 3, "minute": 18}
